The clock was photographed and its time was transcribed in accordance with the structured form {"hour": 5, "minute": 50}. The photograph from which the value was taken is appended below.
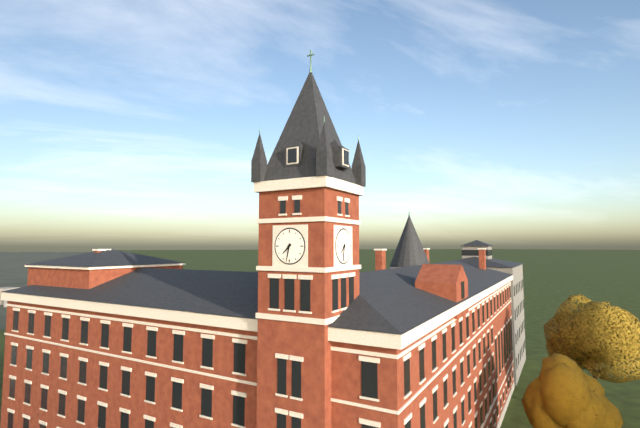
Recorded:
{"hour": 7, "minute": 32}
